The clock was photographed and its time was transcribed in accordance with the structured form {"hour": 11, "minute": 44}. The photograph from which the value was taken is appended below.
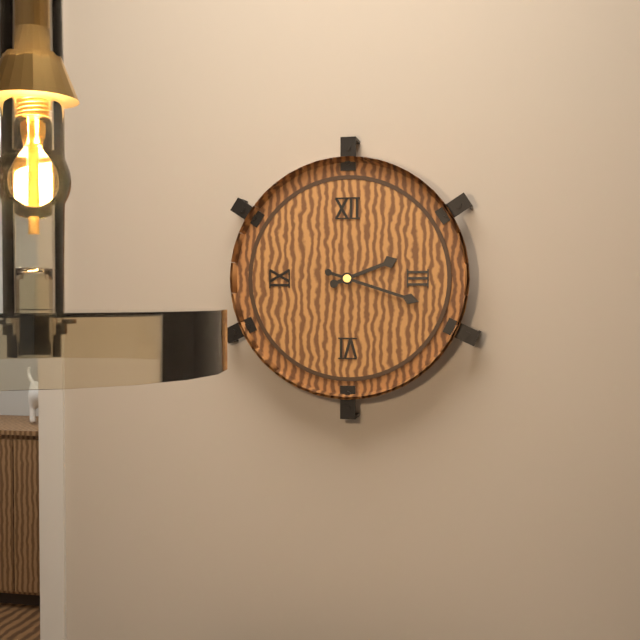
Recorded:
{"hour": 2, "minute": 18}
